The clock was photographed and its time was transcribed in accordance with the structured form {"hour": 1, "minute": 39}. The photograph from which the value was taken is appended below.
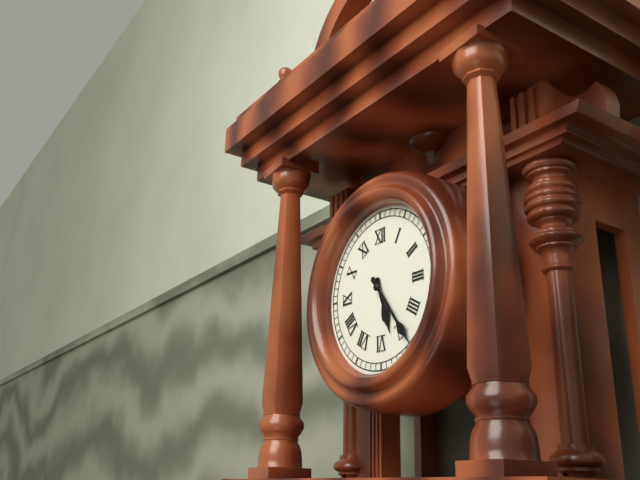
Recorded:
{"hour": 5, "minute": 24}
